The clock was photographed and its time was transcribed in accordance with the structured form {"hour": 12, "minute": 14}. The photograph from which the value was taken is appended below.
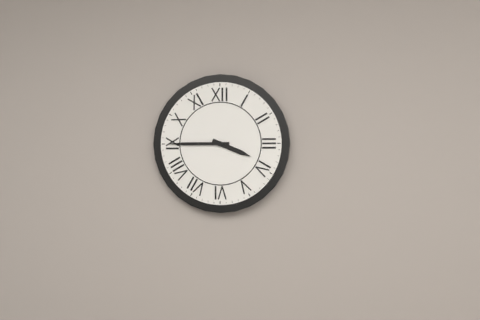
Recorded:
{"hour": 3, "minute": 45}
